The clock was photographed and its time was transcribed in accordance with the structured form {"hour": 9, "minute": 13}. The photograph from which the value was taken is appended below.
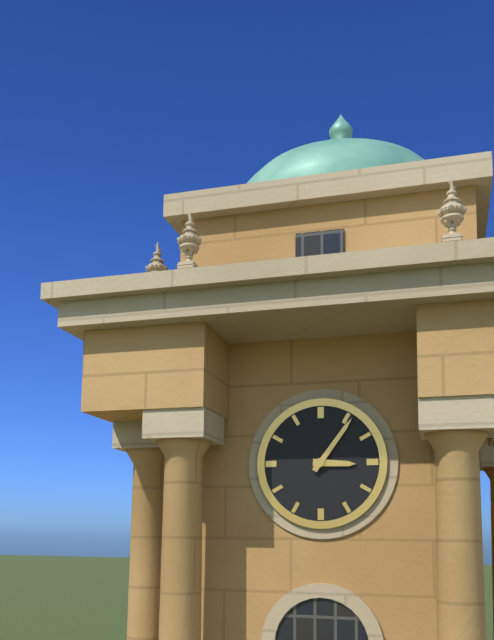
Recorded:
{"hour": 3, "minute": 6}
